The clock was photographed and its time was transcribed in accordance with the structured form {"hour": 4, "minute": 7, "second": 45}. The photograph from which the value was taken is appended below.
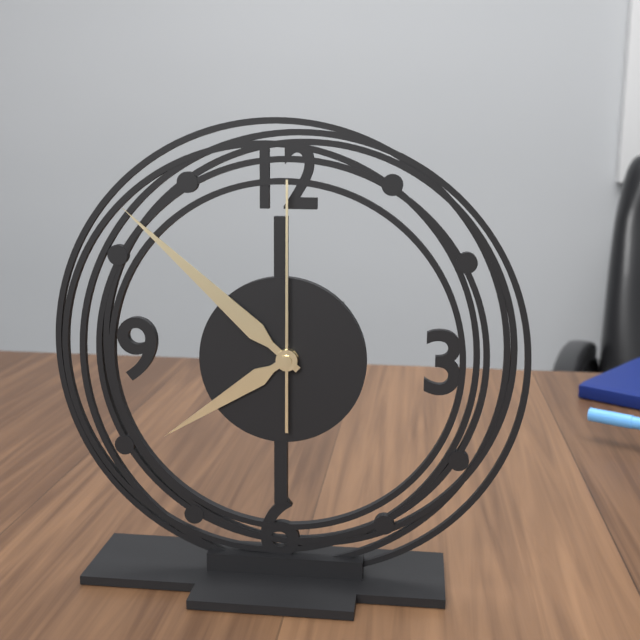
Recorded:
{"hour": 7, "minute": 52, "second": 0}
